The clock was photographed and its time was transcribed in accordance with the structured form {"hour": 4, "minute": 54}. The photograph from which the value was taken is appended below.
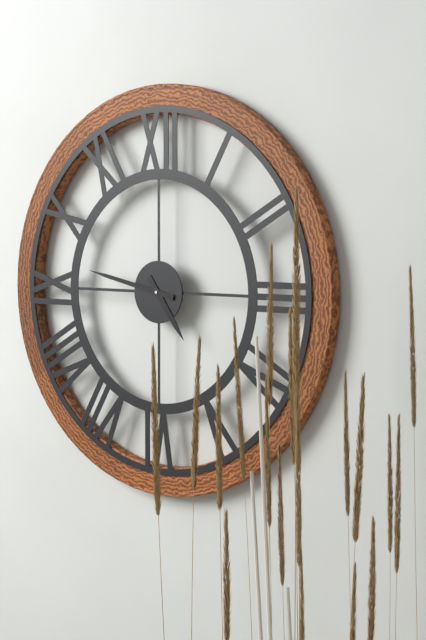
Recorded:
{"hour": 4, "minute": 47}
